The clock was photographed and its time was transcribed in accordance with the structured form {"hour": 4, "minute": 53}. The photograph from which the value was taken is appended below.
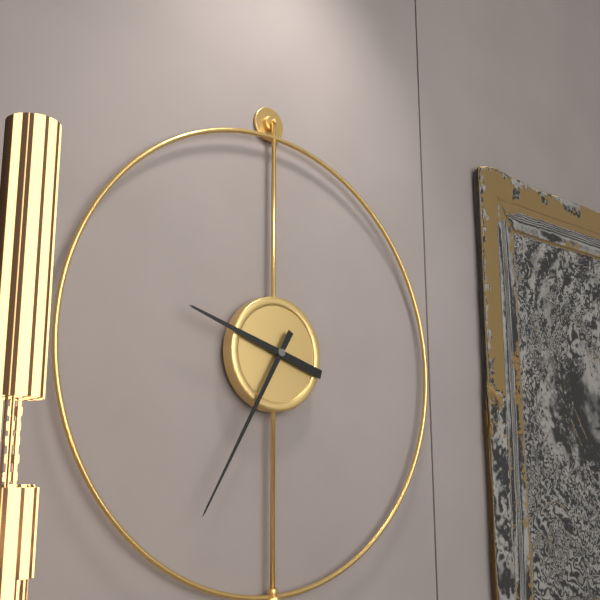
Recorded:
{"hour": 9, "minute": 35}
